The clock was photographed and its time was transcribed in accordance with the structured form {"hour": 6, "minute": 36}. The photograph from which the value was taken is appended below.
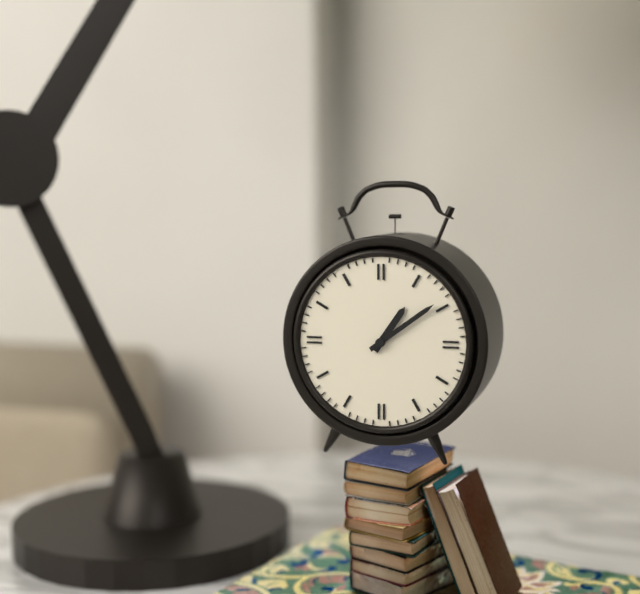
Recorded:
{"hour": 1, "minute": 9}
